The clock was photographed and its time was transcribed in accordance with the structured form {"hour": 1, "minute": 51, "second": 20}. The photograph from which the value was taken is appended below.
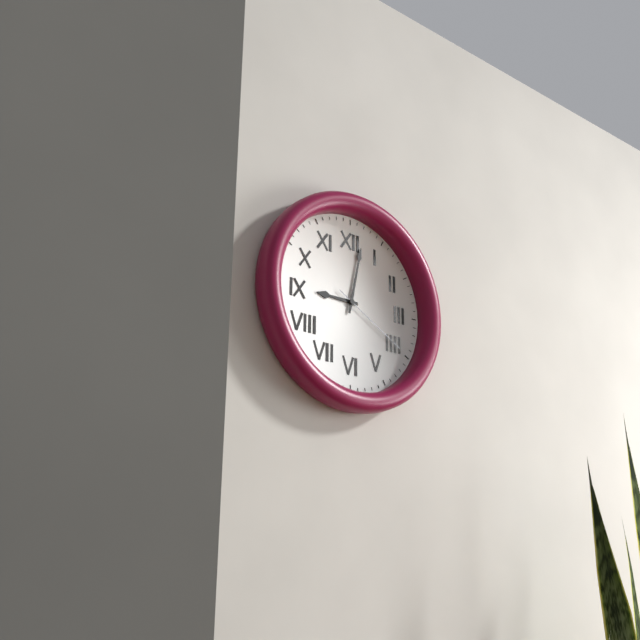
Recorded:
{"hour": 9, "minute": 2, "second": 20}
